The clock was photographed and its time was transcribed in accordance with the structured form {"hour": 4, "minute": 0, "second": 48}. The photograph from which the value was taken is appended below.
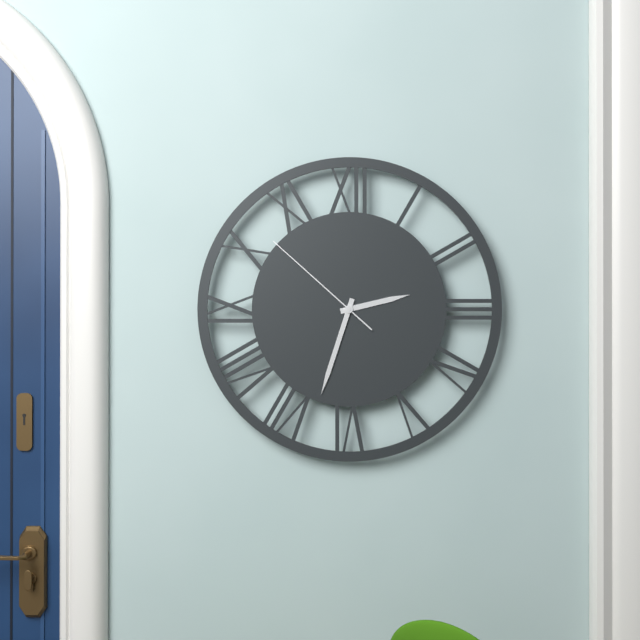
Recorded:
{"hour": 2, "minute": 33, "second": 52}
